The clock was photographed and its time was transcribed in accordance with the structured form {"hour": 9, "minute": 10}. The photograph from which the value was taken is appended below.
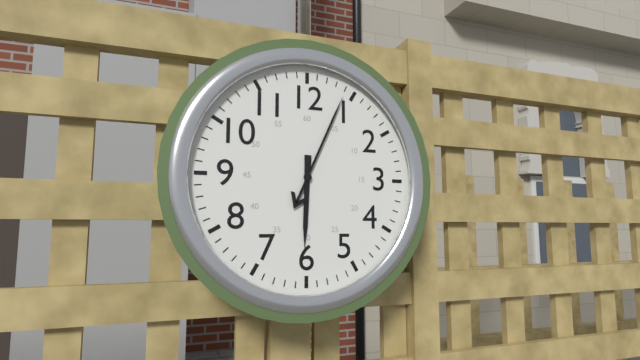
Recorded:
{"hour": 6, "minute": 4}
